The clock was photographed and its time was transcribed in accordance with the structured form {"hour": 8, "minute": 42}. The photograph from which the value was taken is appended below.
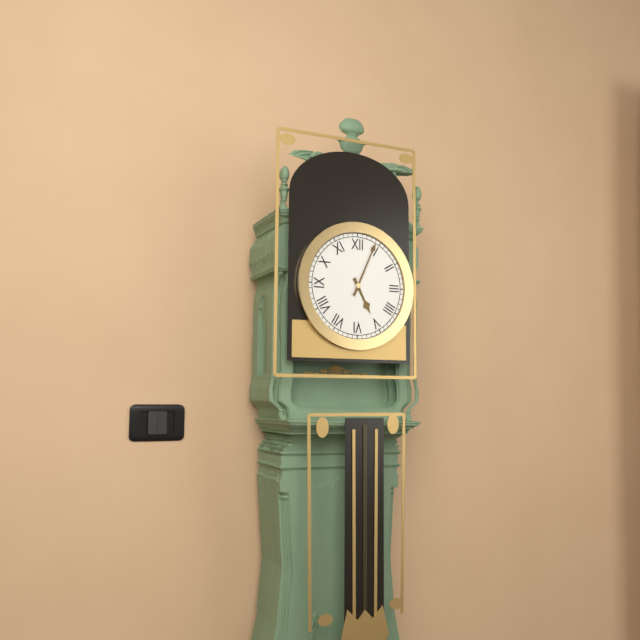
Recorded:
{"hour": 5, "minute": 4}
